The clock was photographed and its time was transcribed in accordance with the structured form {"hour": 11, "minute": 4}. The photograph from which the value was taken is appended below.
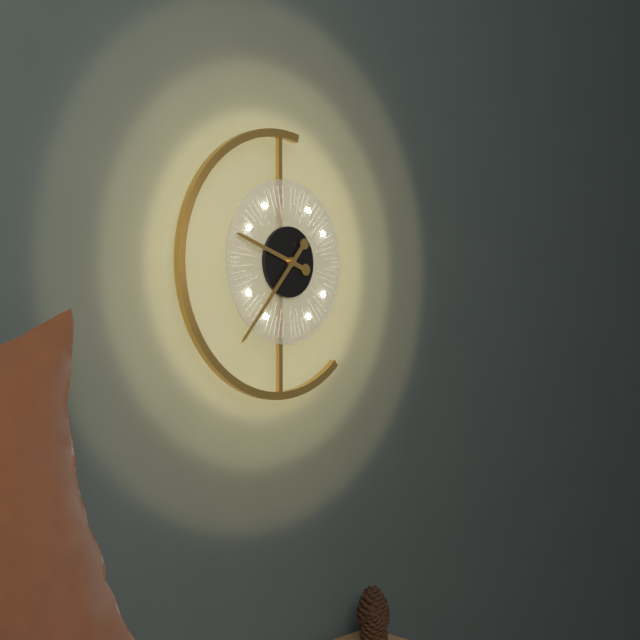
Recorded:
{"hour": 9, "minute": 37}
